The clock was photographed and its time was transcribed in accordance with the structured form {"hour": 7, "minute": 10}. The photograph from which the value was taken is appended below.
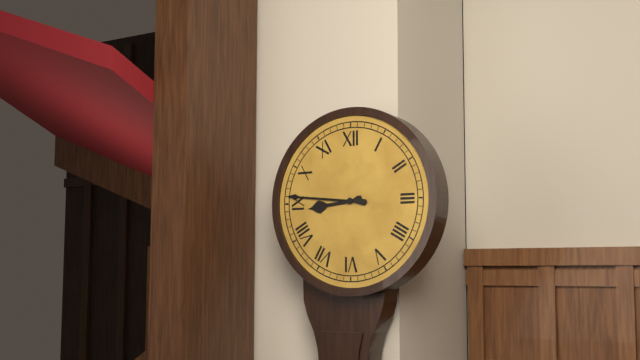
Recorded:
{"hour": 8, "minute": 46}
